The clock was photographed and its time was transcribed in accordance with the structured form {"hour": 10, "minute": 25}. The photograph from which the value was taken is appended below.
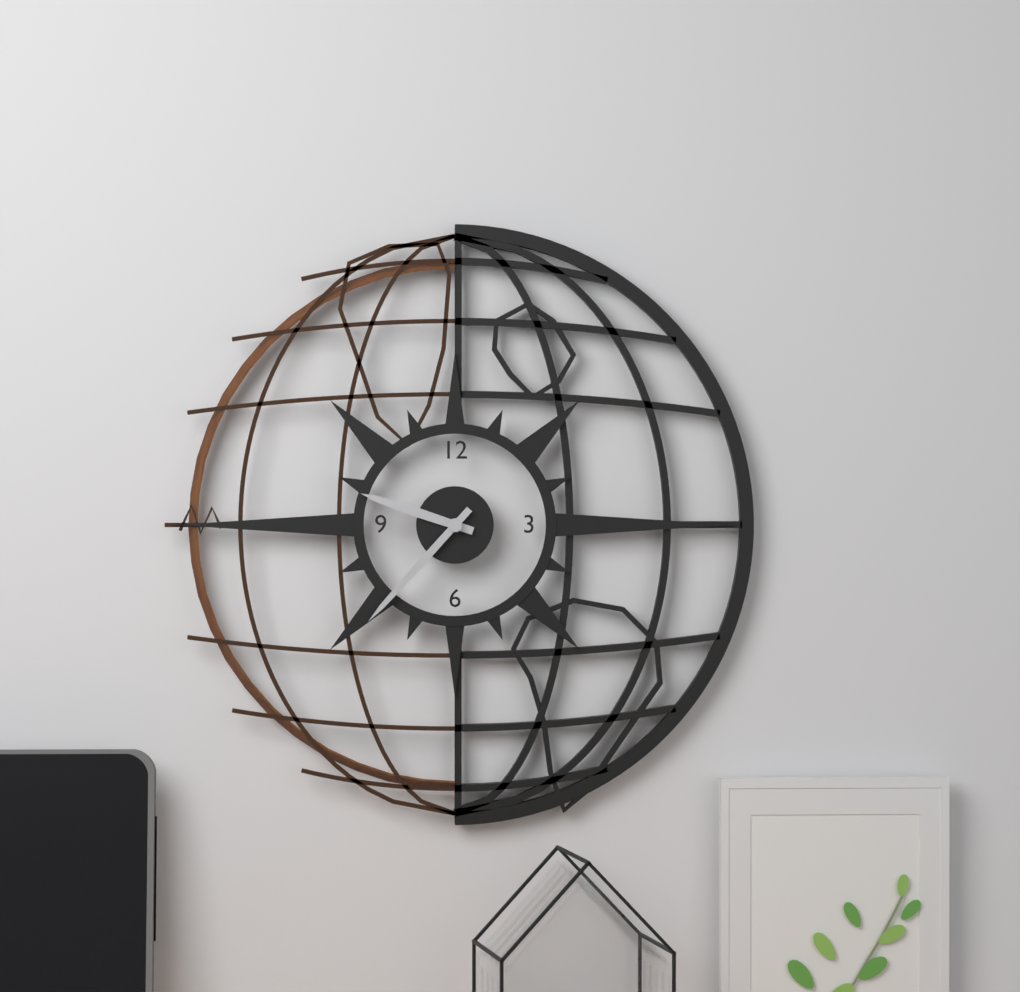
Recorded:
{"hour": 9, "minute": 37}
